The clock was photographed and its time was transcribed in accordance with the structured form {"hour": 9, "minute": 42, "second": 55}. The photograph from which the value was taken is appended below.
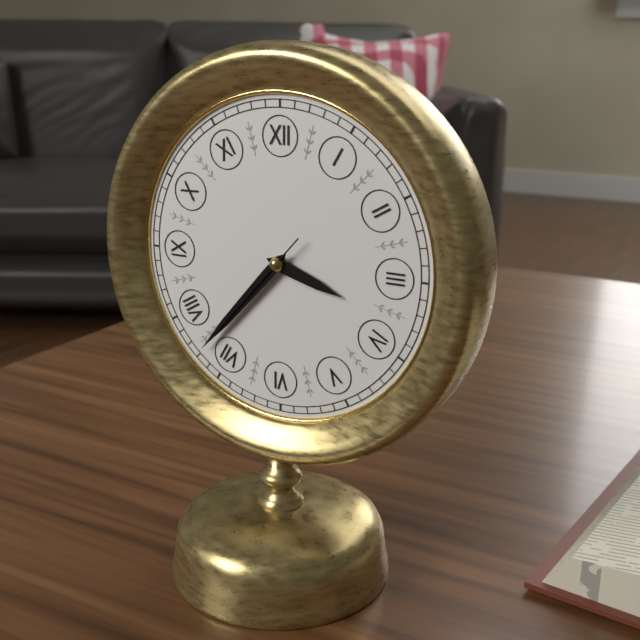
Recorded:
{"hour": 3, "minute": 37, "second": 37}
